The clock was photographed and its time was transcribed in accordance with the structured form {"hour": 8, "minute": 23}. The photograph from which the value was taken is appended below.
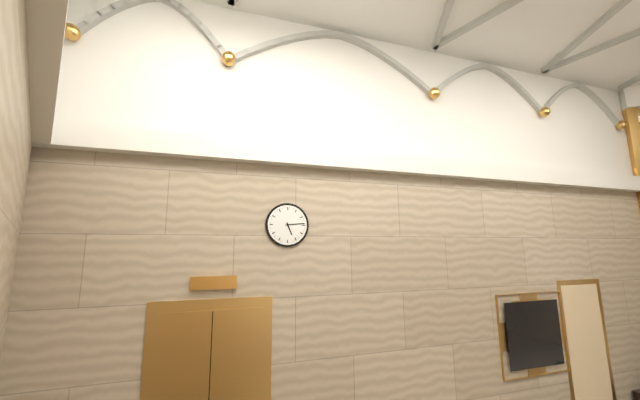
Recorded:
{"hour": 5, "minute": 14}
